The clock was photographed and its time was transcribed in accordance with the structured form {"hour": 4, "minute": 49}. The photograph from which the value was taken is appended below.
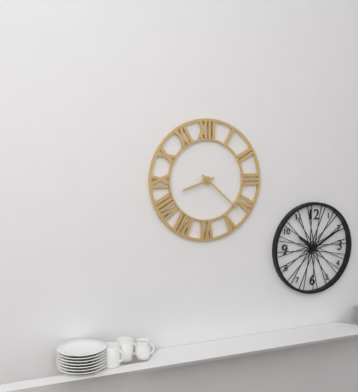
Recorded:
{"hour": 8, "minute": 22}
